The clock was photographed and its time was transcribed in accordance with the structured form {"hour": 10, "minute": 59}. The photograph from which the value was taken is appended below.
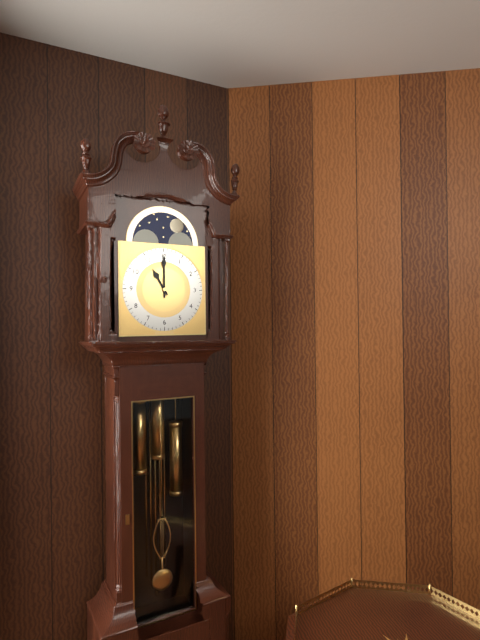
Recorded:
{"hour": 11, "minute": 0}
